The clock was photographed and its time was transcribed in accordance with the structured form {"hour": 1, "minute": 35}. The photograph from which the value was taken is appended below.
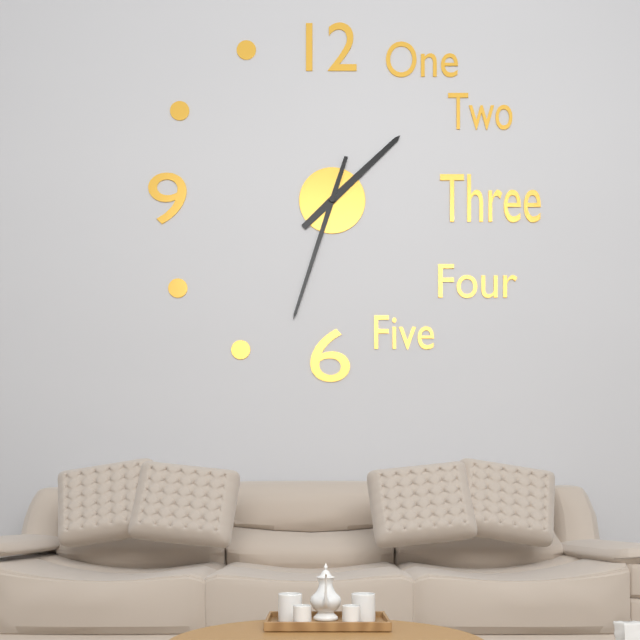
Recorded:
{"hour": 1, "minute": 33}
